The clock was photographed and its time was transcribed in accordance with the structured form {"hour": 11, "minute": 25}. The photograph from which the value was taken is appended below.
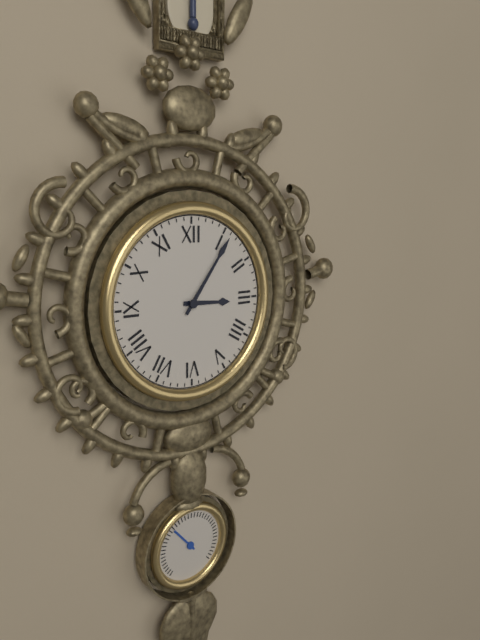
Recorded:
{"hour": 3, "minute": 6}
